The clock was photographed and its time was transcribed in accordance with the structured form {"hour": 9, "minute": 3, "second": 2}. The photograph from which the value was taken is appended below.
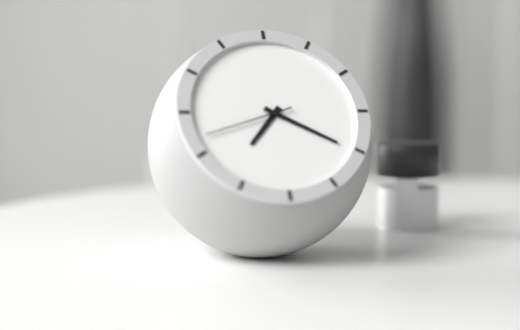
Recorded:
{"hour": 7, "minute": 20, "second": 42}
